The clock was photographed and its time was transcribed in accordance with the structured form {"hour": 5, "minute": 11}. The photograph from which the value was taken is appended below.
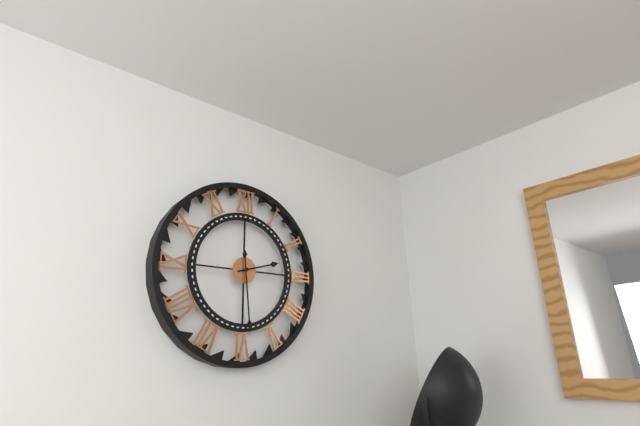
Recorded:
{"hour": 2, "minute": 29}
